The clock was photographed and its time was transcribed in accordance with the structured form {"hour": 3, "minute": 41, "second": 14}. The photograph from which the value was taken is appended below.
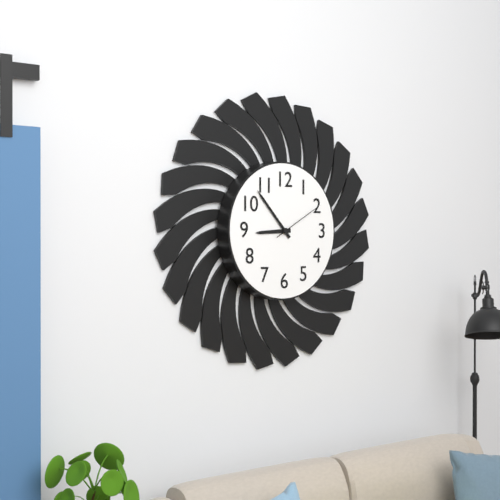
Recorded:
{"hour": 8, "minute": 53, "second": 10}
